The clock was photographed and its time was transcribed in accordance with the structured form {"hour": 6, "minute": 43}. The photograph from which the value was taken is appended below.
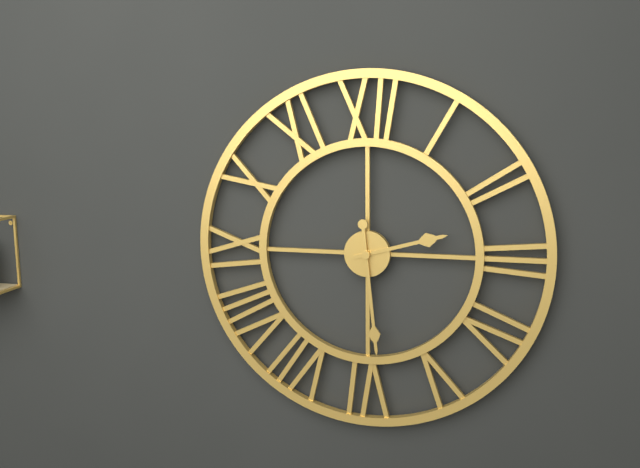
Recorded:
{"hour": 2, "minute": 29}
